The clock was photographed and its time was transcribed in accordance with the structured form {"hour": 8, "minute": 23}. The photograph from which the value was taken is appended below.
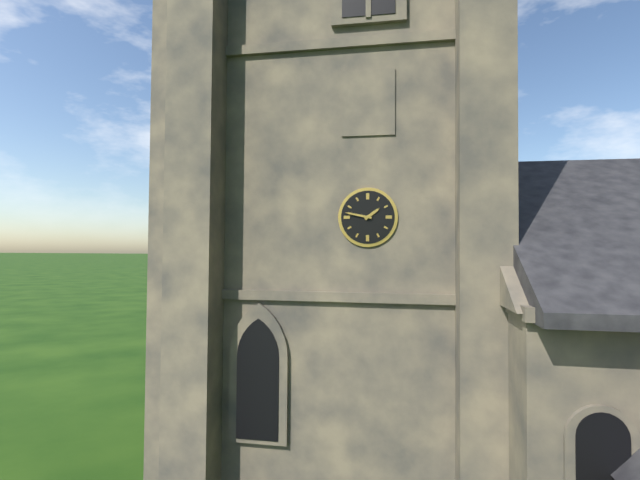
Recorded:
{"hour": 1, "minute": 47}
